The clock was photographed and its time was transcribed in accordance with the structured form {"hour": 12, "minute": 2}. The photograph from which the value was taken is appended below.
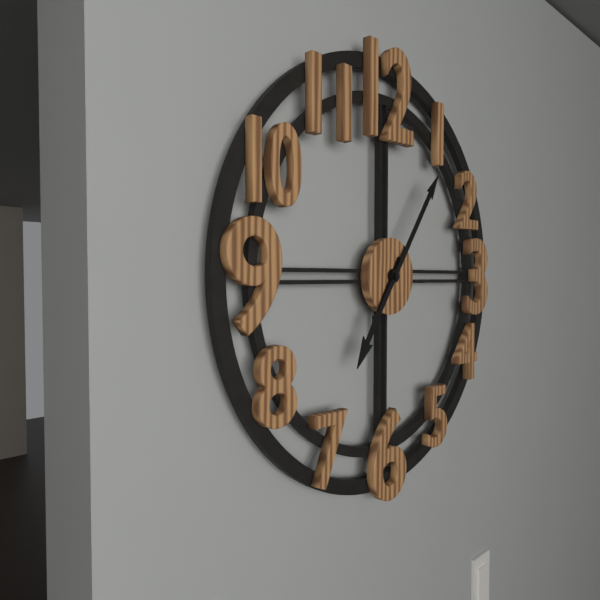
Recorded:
{"hour": 7, "minute": 6}
